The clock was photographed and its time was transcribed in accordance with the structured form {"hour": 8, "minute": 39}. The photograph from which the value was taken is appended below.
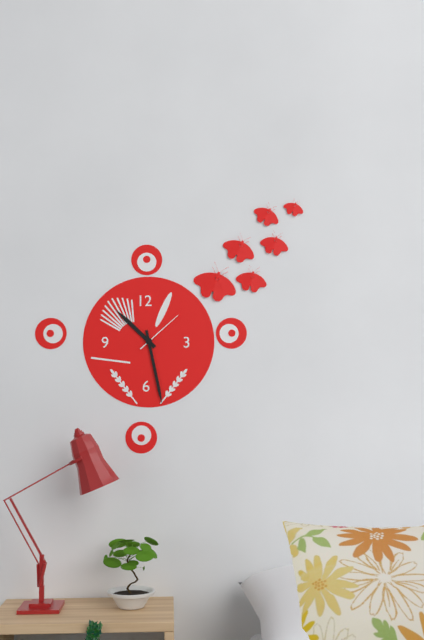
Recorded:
{"hour": 10, "minute": 28}
